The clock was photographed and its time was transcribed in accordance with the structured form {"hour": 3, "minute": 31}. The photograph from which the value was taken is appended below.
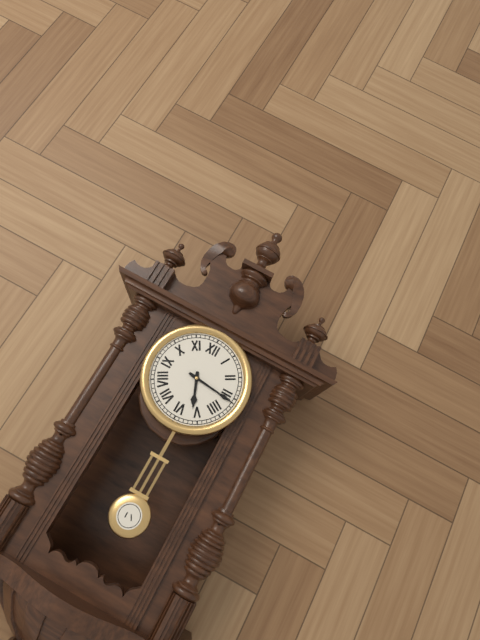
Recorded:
{"hour": 5, "minute": 16}
